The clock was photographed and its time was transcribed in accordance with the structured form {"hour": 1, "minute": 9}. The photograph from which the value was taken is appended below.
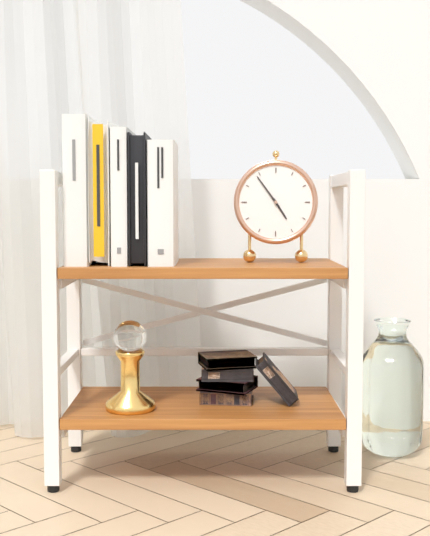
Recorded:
{"hour": 4, "minute": 54}
